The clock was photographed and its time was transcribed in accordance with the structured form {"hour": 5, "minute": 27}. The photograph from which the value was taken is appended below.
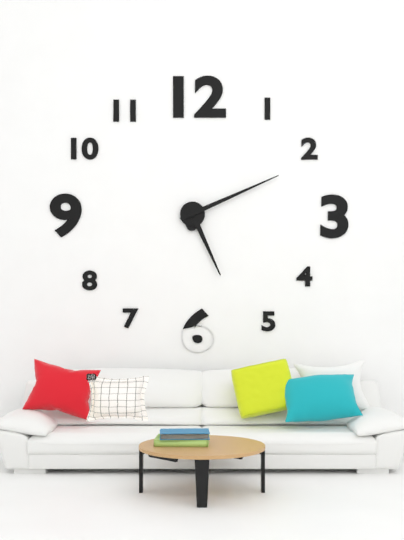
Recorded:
{"hour": 5, "minute": 11}
